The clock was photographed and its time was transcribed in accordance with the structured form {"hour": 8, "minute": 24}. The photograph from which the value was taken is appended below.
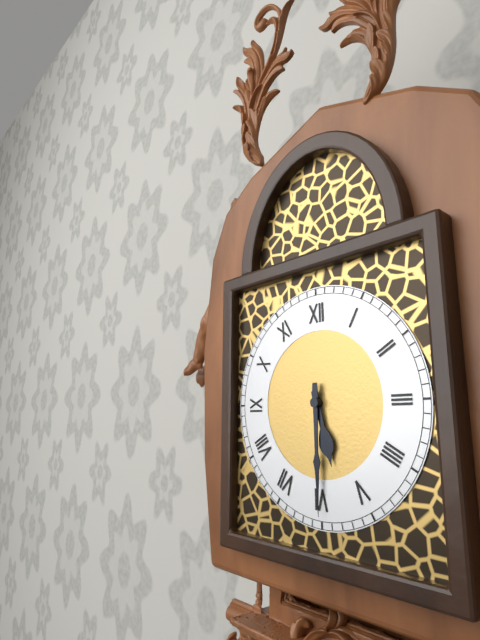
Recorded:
{"hour": 5, "minute": 30}
